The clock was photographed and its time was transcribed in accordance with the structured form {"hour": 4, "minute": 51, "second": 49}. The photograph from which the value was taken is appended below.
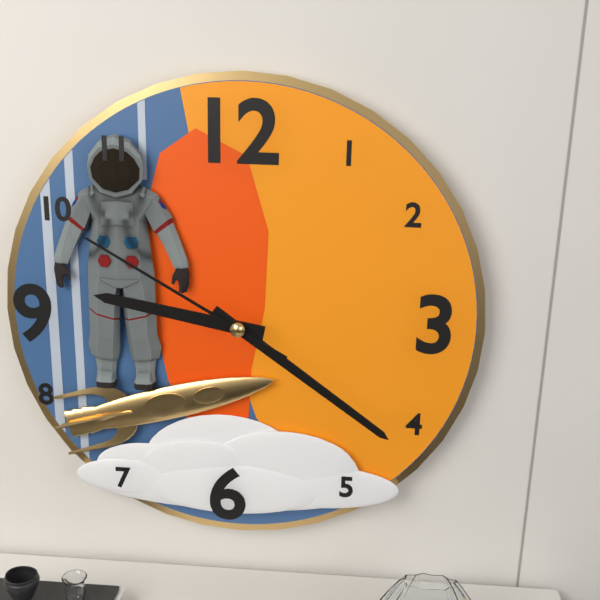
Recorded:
{"hour": 9, "minute": 21, "second": 50}
